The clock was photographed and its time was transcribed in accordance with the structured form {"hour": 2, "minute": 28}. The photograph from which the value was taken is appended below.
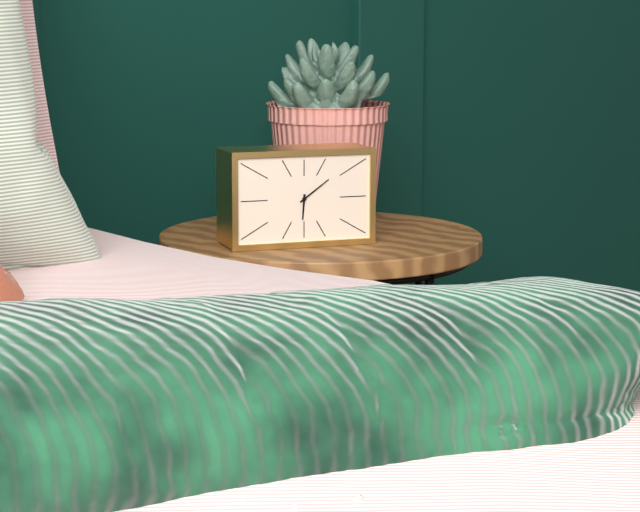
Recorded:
{"hour": 6, "minute": 9}
